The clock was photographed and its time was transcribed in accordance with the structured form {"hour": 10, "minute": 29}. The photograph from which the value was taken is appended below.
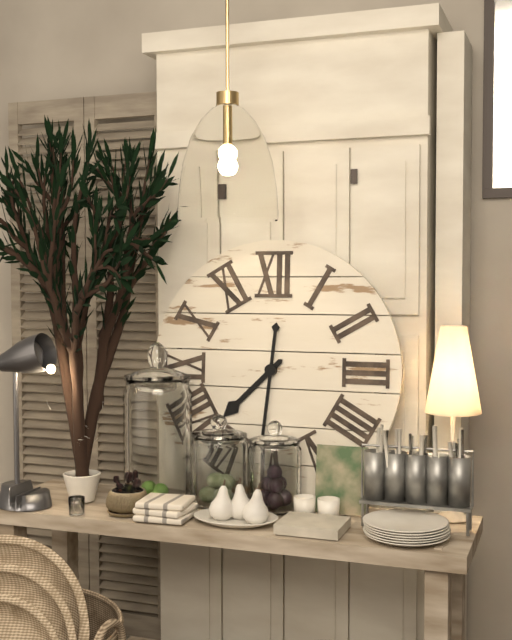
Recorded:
{"hour": 7, "minute": 31}
